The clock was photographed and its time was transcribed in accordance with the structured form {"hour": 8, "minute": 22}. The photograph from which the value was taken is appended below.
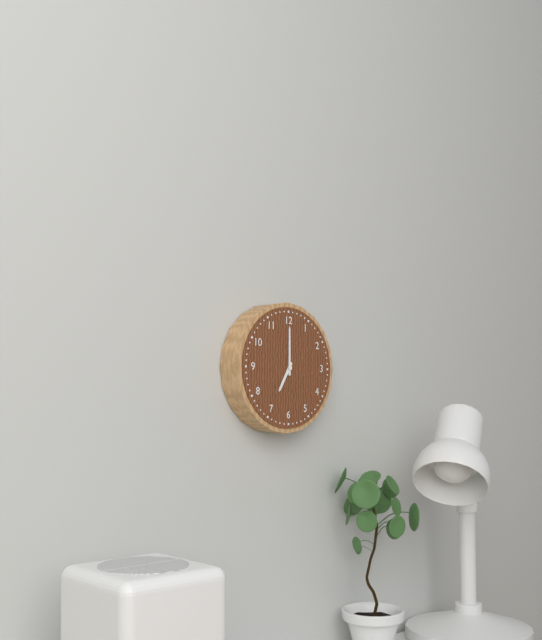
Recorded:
{"hour": 7, "minute": 0}
